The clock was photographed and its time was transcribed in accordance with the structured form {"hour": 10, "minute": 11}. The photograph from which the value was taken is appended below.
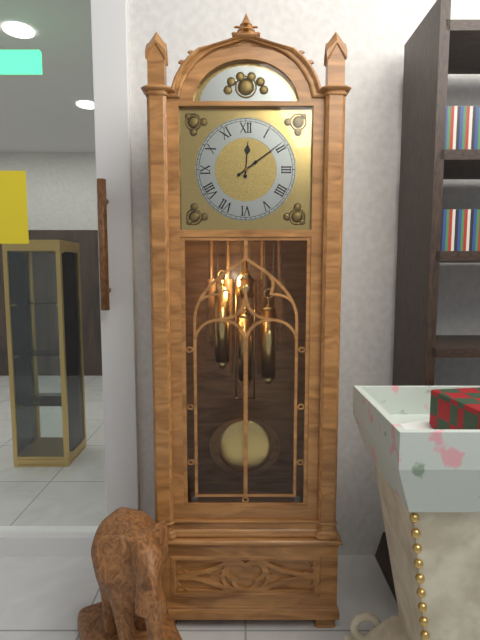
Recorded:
{"hour": 12, "minute": 9}
